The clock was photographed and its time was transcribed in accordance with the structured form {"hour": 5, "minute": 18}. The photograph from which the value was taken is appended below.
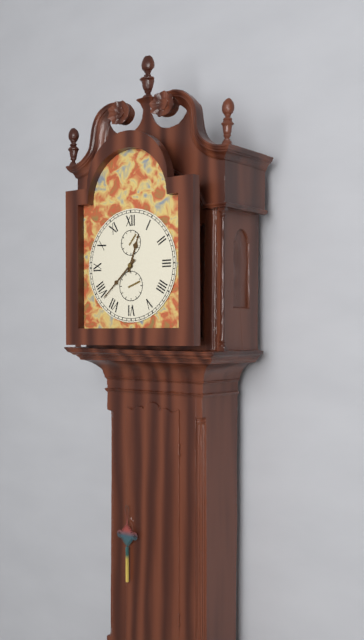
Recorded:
{"hour": 12, "minute": 38}
